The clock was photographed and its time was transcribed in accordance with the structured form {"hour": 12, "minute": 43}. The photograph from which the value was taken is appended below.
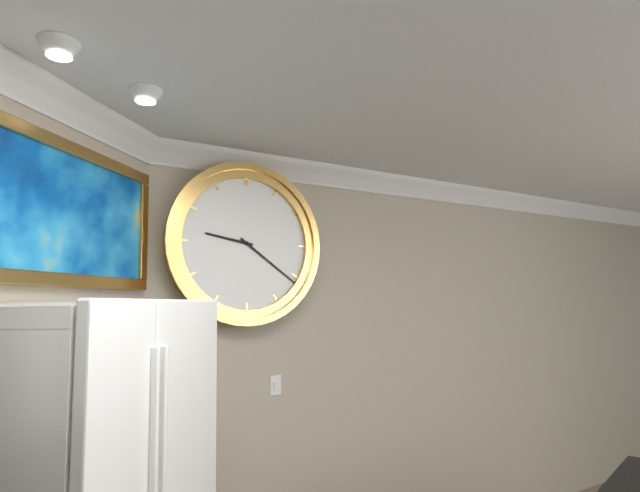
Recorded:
{"hour": 9, "minute": 21}
